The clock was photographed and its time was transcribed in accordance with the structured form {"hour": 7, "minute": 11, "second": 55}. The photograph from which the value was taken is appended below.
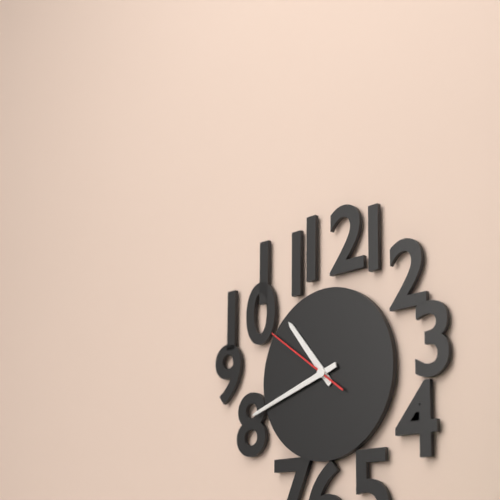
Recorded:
{"hour": 10, "minute": 42, "second": 51}
